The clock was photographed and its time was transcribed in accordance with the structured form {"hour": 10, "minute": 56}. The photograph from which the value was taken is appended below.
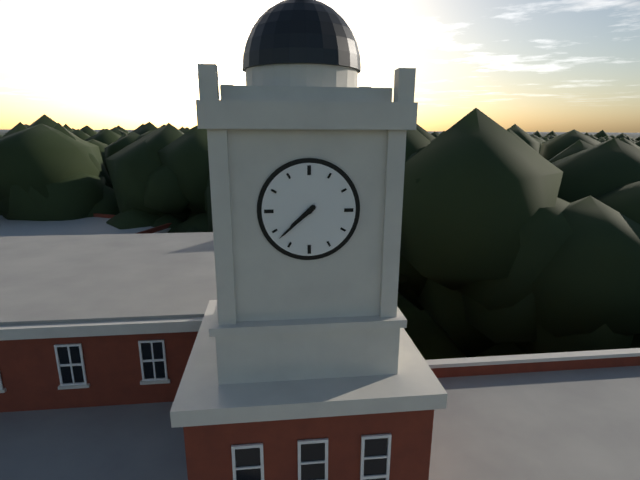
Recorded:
{"hour": 7, "minute": 38}
